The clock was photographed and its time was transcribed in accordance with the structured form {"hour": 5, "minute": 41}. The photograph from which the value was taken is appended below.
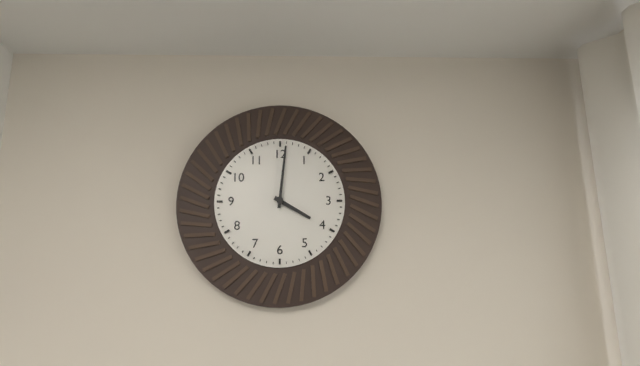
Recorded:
{"hour": 4, "minute": 1}
